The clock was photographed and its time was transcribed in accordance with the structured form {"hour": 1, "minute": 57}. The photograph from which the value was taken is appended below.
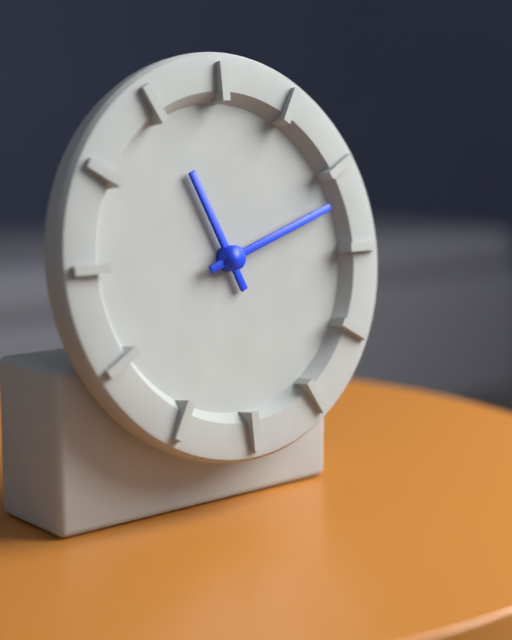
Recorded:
{"hour": 11, "minute": 12}
